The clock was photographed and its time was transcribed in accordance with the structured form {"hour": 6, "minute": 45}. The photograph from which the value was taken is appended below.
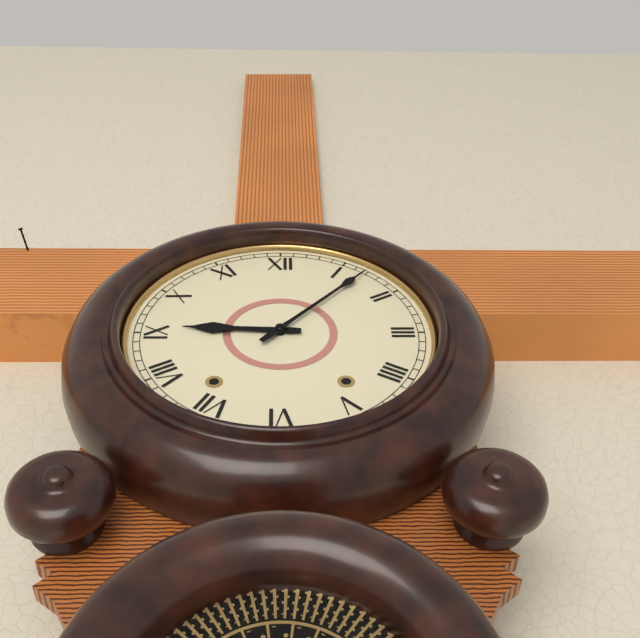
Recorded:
{"hour": 9, "minute": 7}
